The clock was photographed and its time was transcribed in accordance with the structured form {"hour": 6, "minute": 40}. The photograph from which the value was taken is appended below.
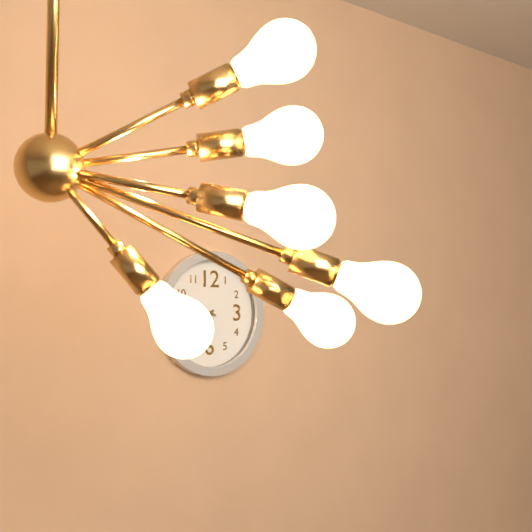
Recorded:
{"hour": 7, "minute": 48}
